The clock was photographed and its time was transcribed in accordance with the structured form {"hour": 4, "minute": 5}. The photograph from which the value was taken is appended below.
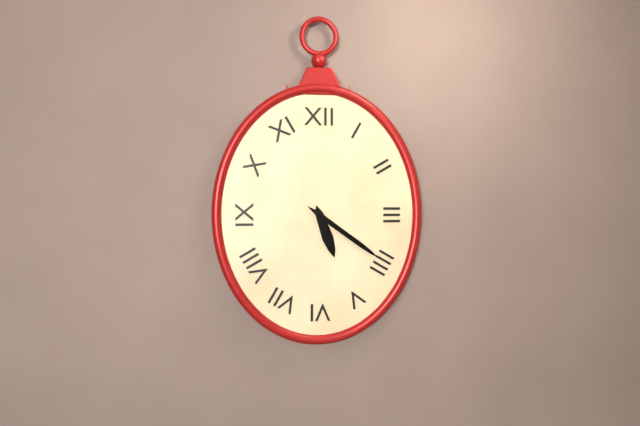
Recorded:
{"hour": 5, "minute": 21}
